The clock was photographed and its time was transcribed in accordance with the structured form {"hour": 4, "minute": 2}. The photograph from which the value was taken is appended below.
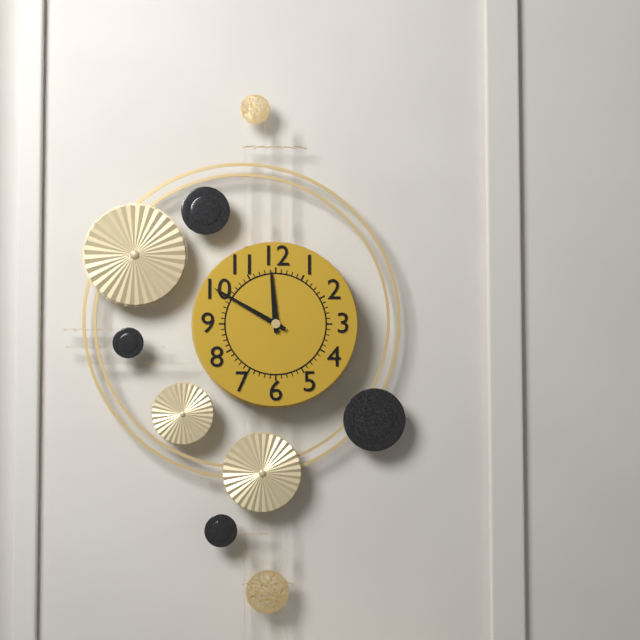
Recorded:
{"hour": 11, "minute": 50}
